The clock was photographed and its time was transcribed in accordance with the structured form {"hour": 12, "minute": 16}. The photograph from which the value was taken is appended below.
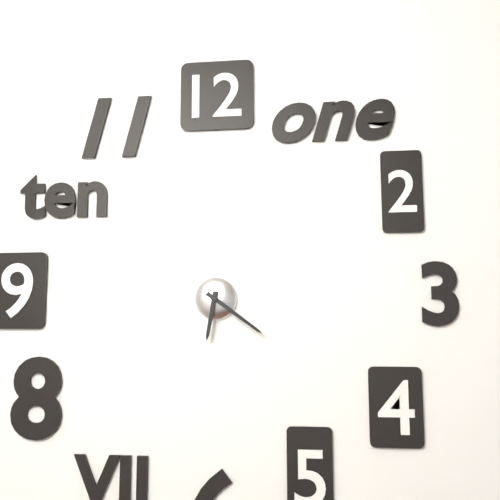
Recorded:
{"hour": 6, "minute": 21}
